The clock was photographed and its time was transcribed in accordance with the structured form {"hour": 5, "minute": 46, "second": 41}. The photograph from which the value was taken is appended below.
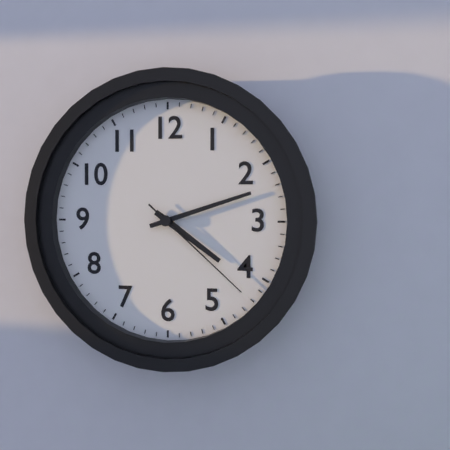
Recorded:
{"hour": 4, "minute": 12, "second": 22}
